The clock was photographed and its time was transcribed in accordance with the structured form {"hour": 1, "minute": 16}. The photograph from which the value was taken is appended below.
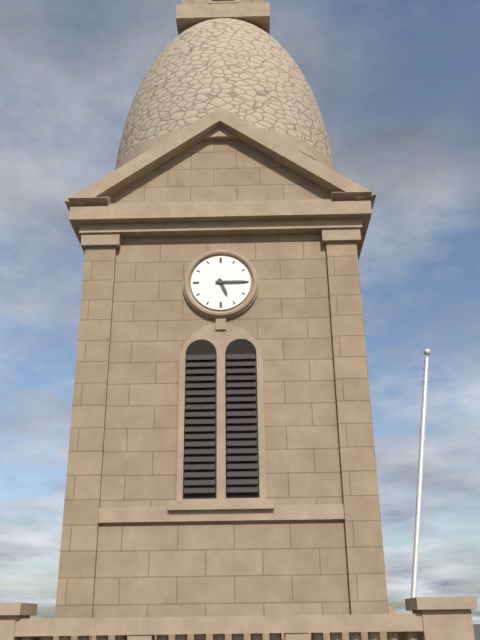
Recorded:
{"hour": 5, "minute": 15}
